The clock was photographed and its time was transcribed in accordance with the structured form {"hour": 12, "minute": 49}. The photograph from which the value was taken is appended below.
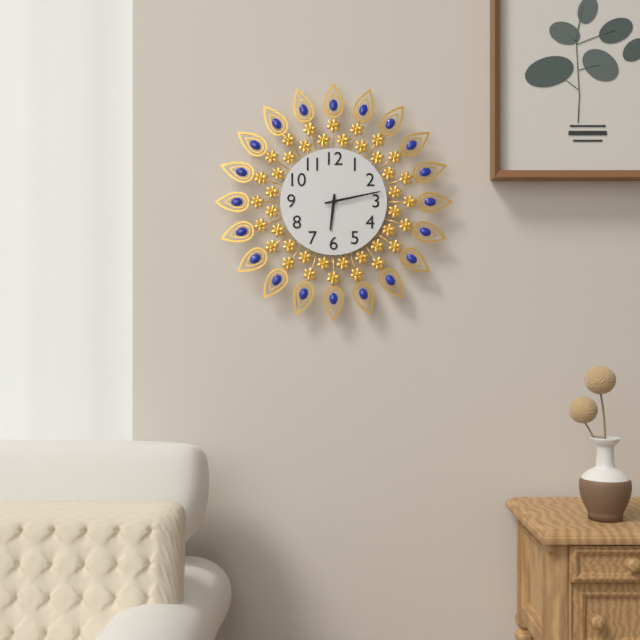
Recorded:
{"hour": 6, "minute": 13}
